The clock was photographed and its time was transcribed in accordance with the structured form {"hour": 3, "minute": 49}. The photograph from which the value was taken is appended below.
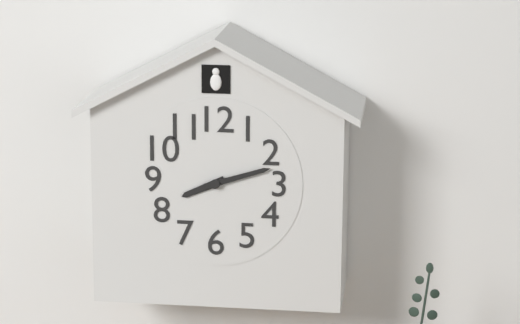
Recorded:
{"hour": 8, "minute": 12}
